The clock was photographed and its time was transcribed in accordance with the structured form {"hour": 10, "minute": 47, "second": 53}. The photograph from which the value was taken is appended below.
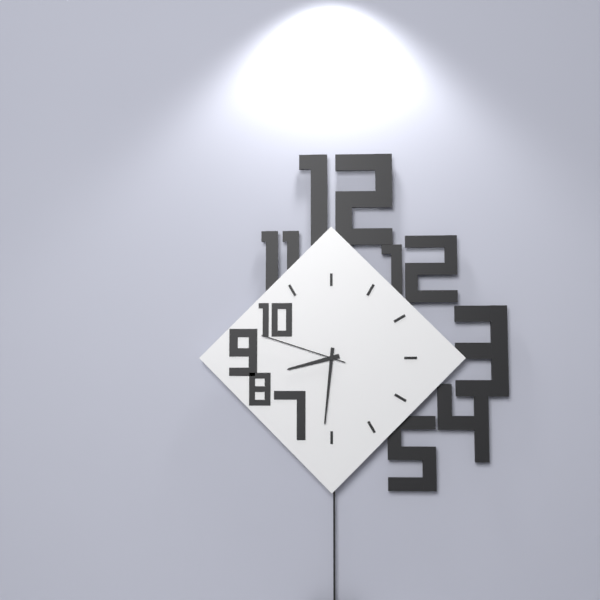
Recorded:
{"hour": 8, "minute": 31, "second": 48}
